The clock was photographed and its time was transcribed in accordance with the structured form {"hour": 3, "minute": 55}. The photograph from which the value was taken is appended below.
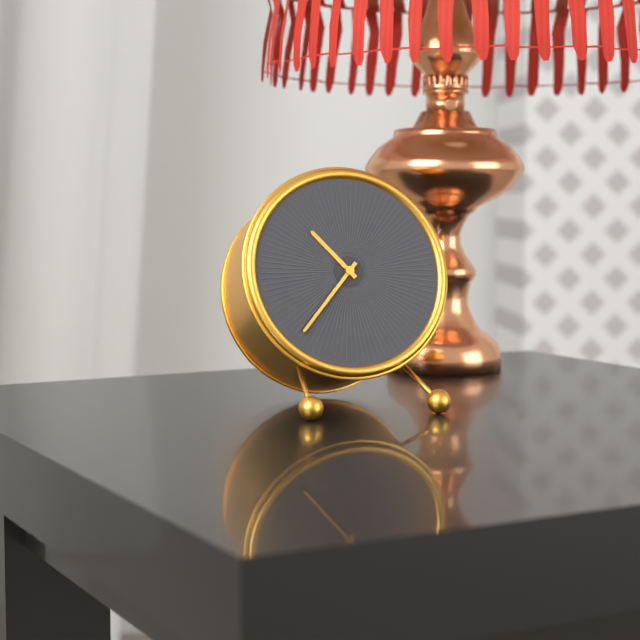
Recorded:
{"hour": 10, "minute": 37}
